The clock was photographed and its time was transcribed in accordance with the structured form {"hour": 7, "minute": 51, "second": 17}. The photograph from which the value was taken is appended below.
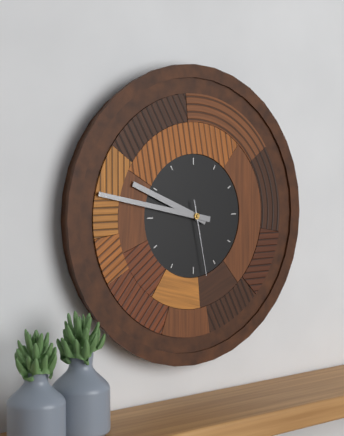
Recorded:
{"hour": 9, "minute": 47, "second": 28}
